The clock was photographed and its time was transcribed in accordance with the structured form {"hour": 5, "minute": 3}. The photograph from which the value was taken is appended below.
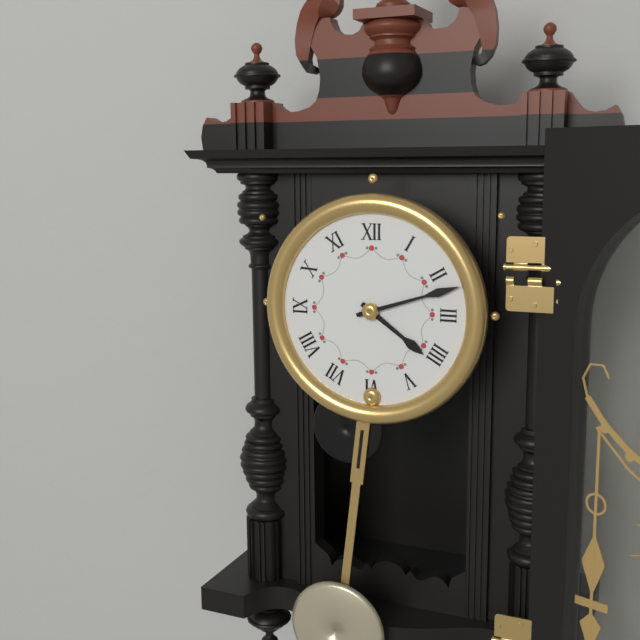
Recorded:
{"hour": 4, "minute": 12}
